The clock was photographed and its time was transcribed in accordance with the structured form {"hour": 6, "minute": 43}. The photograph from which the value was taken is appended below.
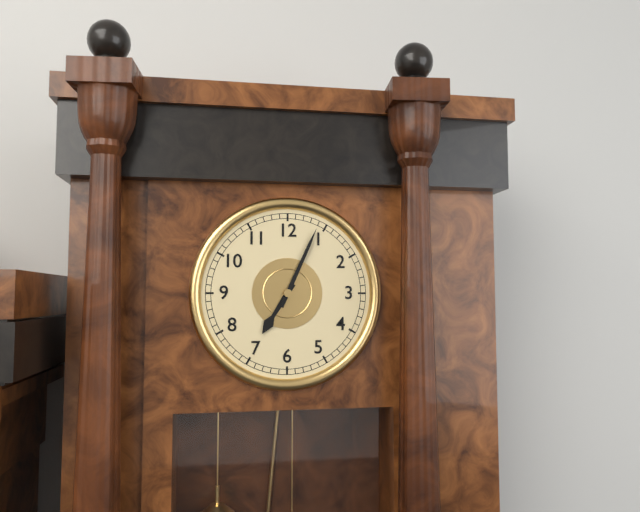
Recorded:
{"hour": 7, "minute": 4}
